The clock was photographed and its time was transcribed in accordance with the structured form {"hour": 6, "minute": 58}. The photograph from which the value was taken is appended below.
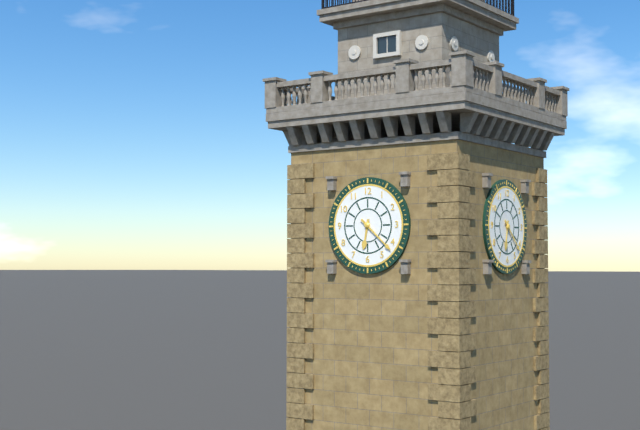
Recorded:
{"hour": 6, "minute": 22}
